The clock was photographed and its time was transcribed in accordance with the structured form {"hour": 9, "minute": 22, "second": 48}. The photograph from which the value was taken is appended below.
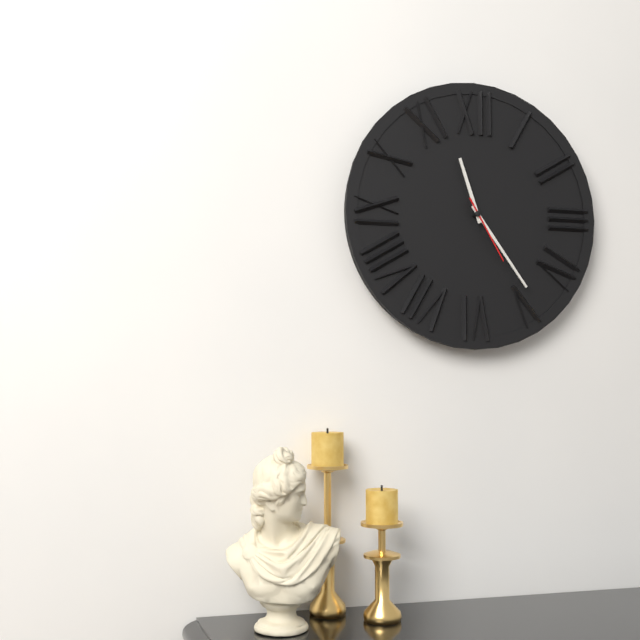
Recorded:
{"hour": 11, "minute": 24, "second": 25}
